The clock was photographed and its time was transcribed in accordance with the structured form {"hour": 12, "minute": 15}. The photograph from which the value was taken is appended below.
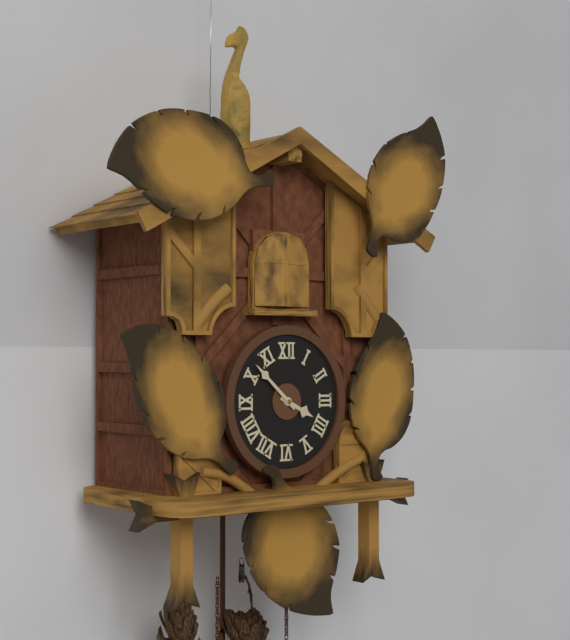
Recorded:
{"hour": 3, "minute": 52}
